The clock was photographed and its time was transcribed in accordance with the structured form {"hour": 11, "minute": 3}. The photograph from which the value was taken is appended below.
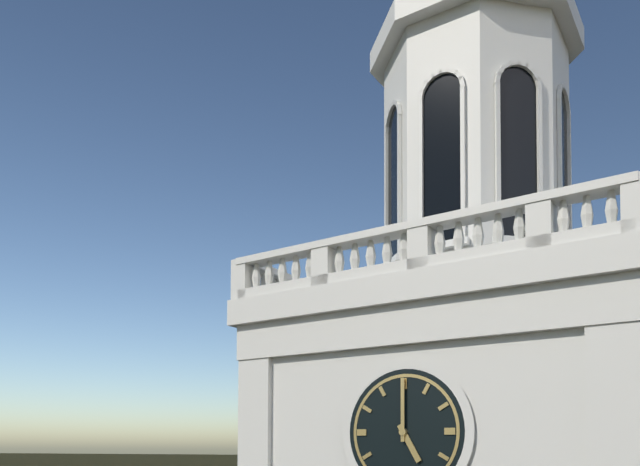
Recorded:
{"hour": 5, "minute": 0}
